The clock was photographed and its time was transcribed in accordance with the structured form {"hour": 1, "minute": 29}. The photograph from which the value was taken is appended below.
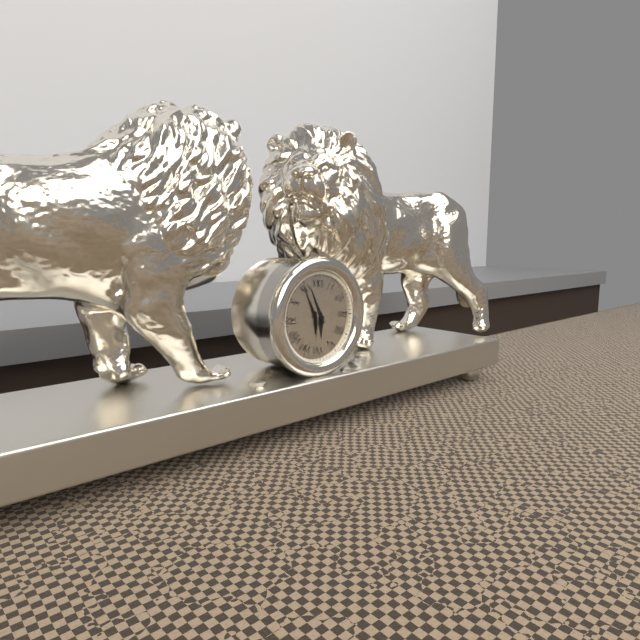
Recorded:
{"hour": 5, "minute": 56}
